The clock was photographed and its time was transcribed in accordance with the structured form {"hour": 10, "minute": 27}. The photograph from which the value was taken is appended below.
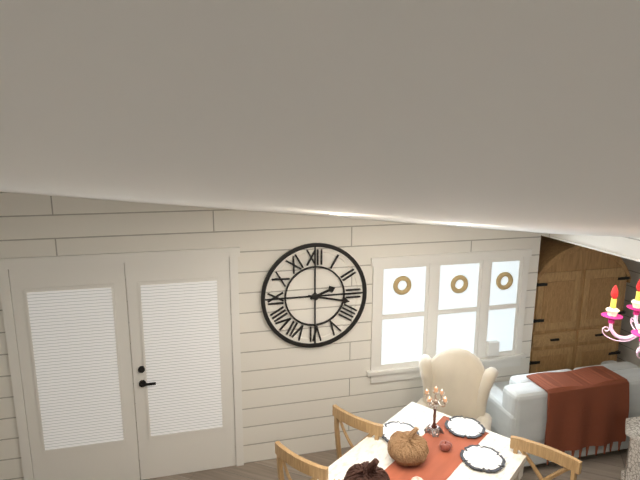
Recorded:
{"hour": 2, "minute": 17}
